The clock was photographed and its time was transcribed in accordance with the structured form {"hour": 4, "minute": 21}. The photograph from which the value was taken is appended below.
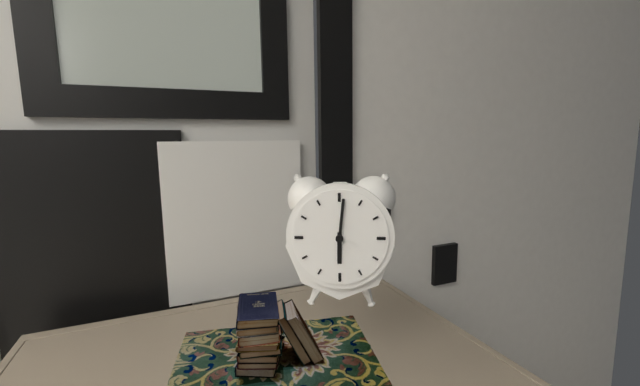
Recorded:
{"hour": 6, "minute": 1}
